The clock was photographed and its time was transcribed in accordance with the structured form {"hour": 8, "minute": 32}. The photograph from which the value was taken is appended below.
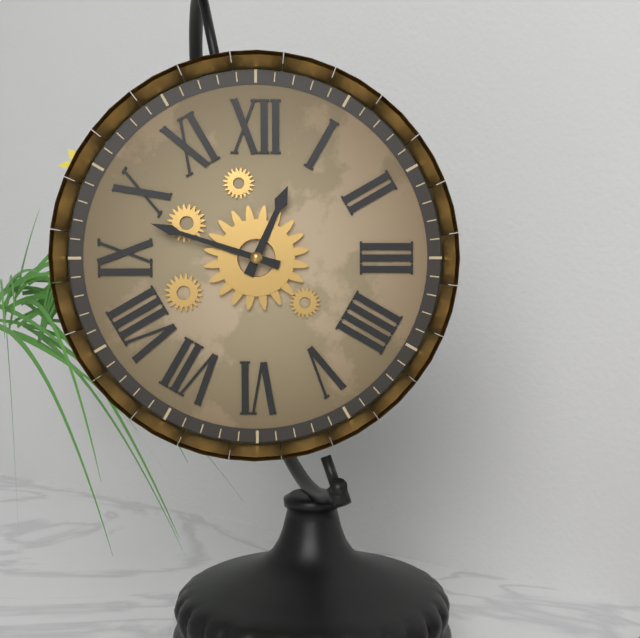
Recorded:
{"hour": 12, "minute": 48}
